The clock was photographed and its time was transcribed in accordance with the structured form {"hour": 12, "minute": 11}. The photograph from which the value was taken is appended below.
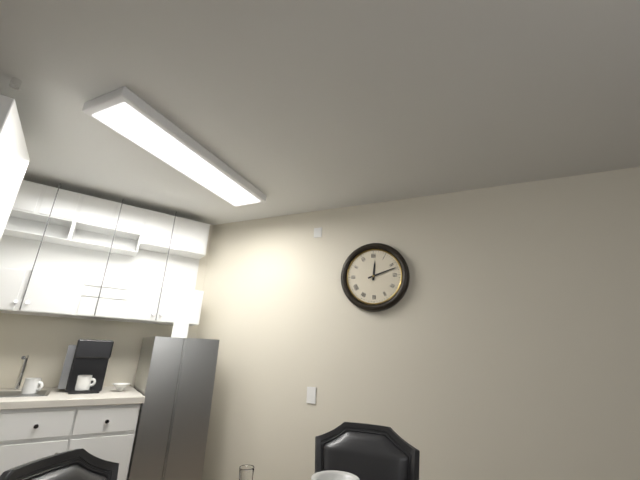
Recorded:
{"hour": 12, "minute": 12}
